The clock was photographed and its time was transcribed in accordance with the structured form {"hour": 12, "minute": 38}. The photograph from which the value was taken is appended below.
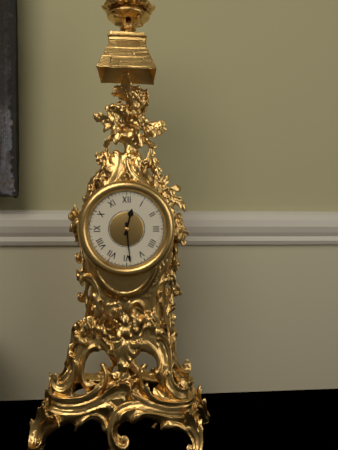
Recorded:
{"hour": 12, "minute": 29}
